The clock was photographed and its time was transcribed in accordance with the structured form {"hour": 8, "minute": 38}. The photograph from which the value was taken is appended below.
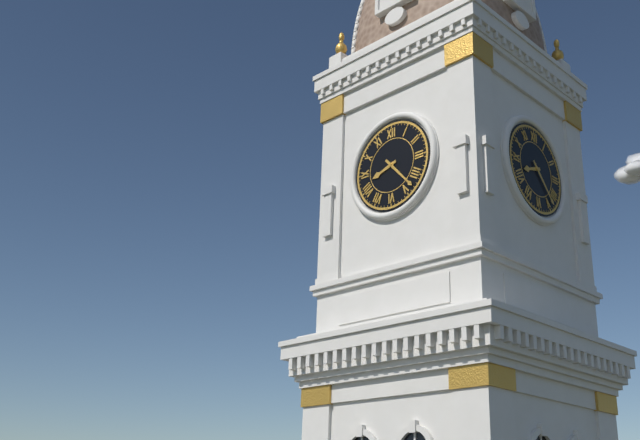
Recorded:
{"hour": 8, "minute": 23}
